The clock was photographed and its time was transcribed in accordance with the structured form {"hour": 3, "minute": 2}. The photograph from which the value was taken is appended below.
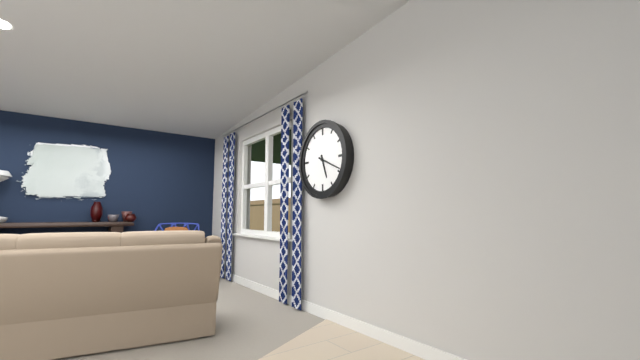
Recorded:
{"hour": 5, "minute": 19}
